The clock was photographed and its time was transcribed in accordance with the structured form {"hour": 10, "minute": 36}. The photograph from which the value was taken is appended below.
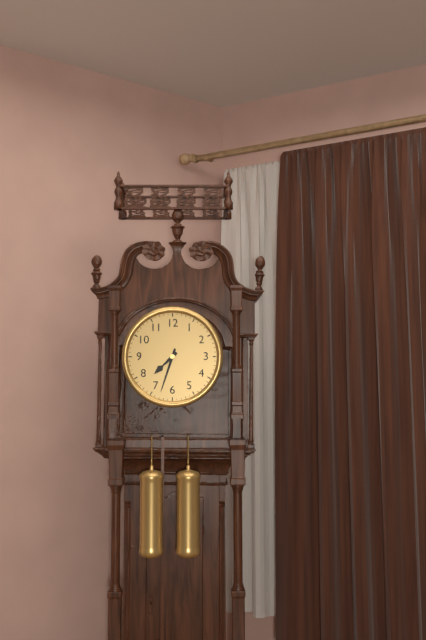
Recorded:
{"hour": 7, "minute": 33}
